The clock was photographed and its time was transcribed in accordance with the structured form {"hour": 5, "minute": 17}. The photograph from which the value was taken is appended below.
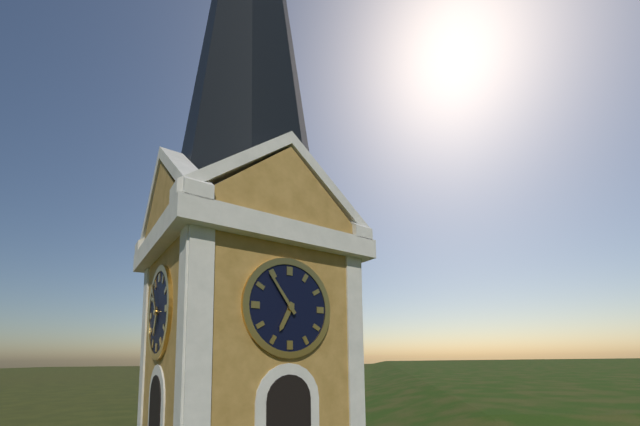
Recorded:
{"hour": 6, "minute": 54}
